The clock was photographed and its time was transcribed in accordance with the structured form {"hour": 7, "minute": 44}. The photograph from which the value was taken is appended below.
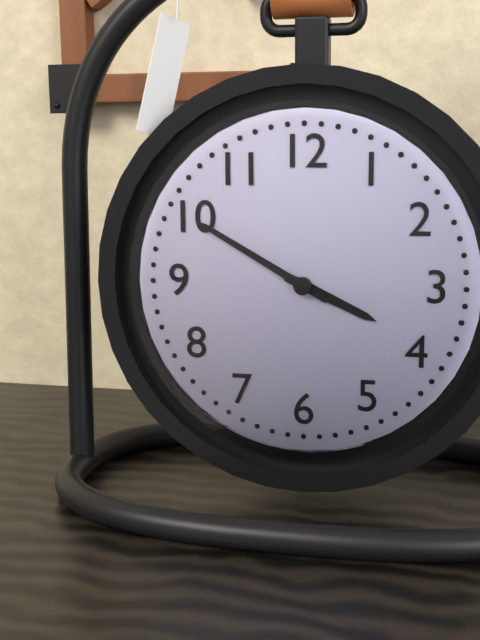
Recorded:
{"hour": 3, "minute": 50}
